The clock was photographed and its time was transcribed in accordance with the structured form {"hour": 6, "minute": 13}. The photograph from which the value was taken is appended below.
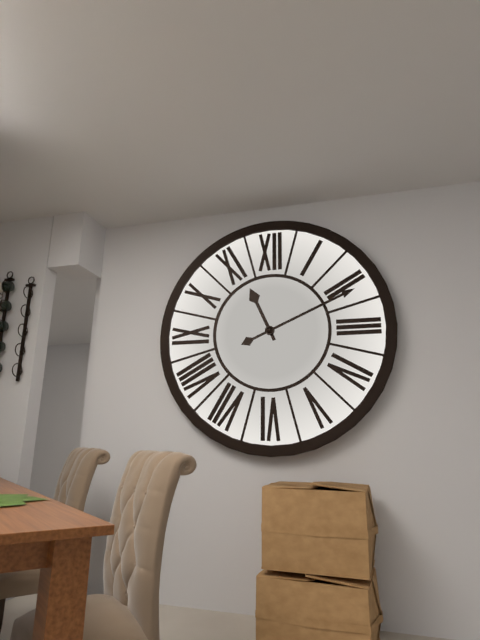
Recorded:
{"hour": 11, "minute": 11}
